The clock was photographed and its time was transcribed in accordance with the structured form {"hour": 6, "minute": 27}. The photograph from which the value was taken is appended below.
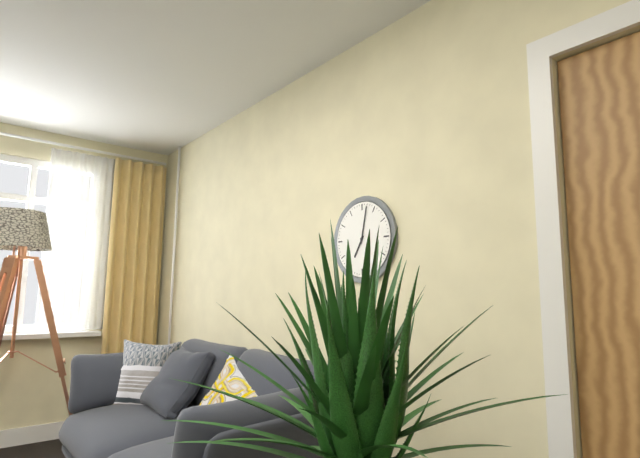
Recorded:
{"hour": 7, "minute": 2}
